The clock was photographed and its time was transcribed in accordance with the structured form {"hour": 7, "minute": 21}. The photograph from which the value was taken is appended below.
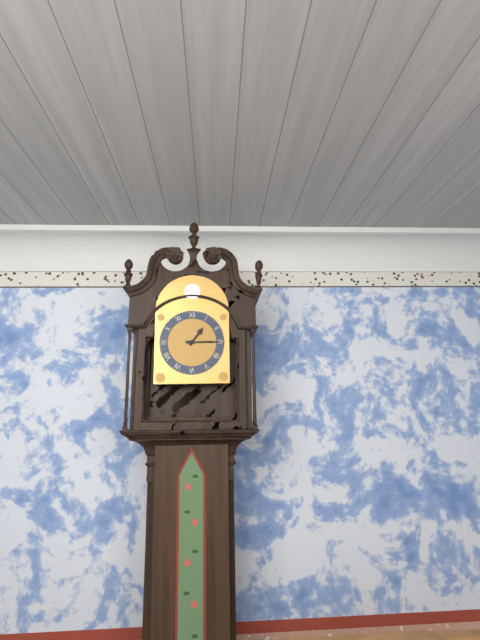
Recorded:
{"hour": 1, "minute": 15}
